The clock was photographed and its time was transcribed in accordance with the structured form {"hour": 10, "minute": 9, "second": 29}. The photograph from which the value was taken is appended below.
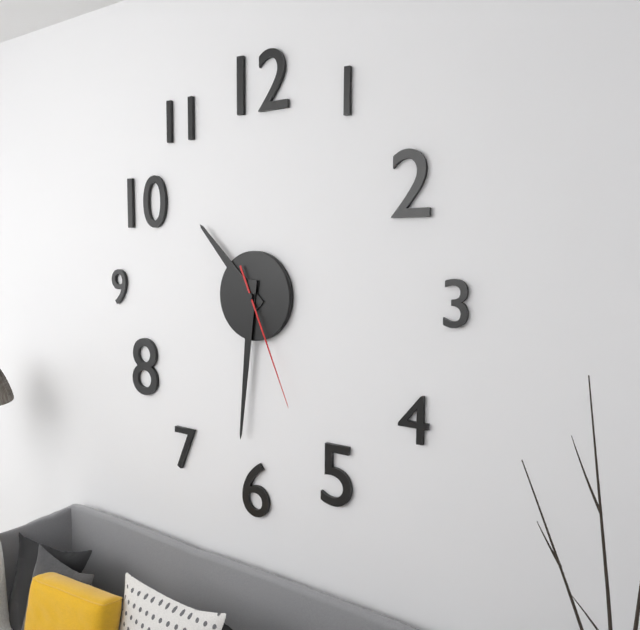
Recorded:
{"hour": 10, "minute": 31, "second": 26}
